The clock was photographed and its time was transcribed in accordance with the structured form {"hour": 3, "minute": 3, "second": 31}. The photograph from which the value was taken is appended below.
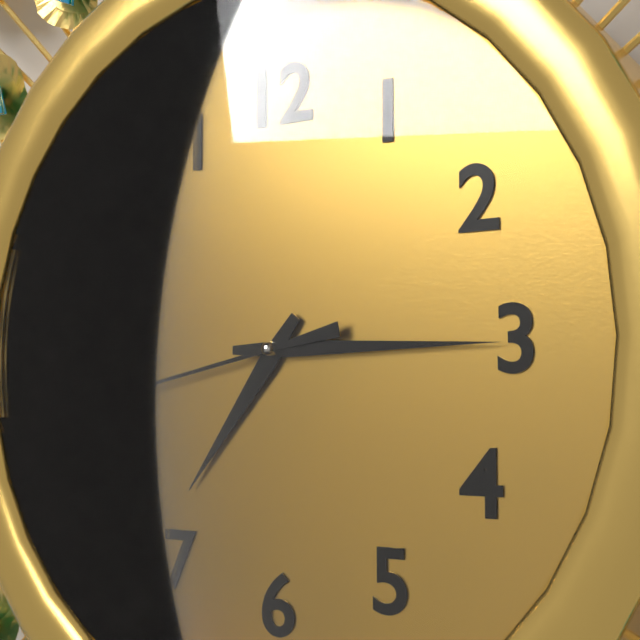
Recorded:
{"hour": 7, "minute": 15, "second": 43}
